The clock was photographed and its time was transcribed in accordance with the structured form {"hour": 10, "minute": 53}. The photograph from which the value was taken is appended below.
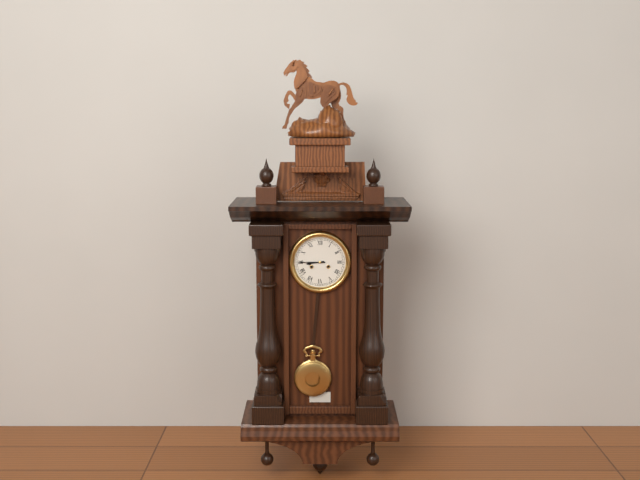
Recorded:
{"hour": 8, "minute": 45}
